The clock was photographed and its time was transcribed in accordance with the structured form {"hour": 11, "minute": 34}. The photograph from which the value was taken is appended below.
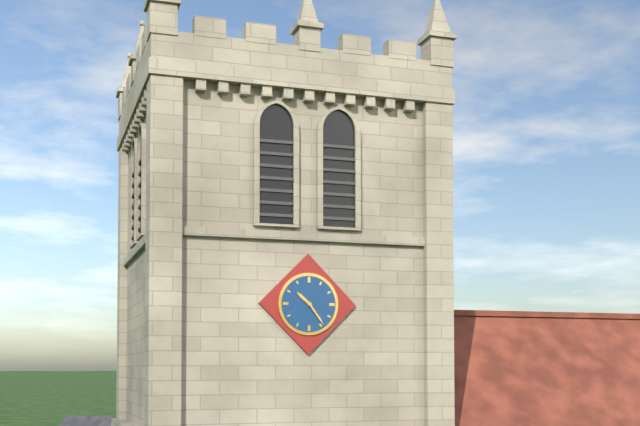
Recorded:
{"hour": 10, "minute": 24}
